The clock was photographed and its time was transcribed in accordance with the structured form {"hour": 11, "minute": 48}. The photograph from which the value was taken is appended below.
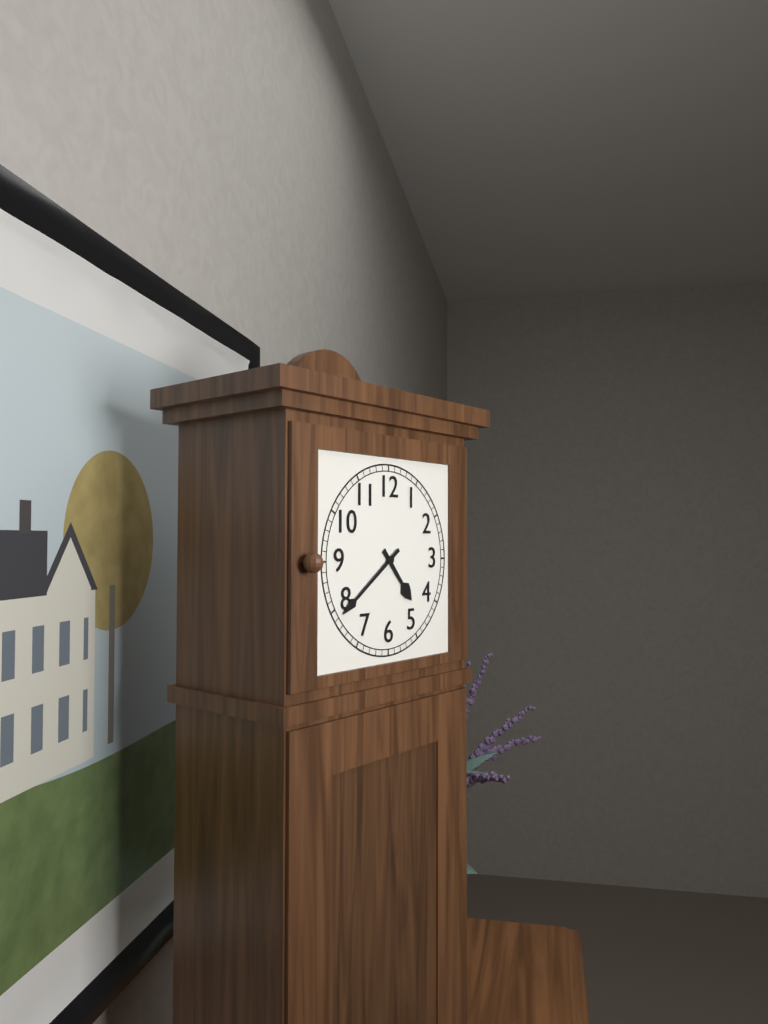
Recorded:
{"hour": 4, "minute": 39}
